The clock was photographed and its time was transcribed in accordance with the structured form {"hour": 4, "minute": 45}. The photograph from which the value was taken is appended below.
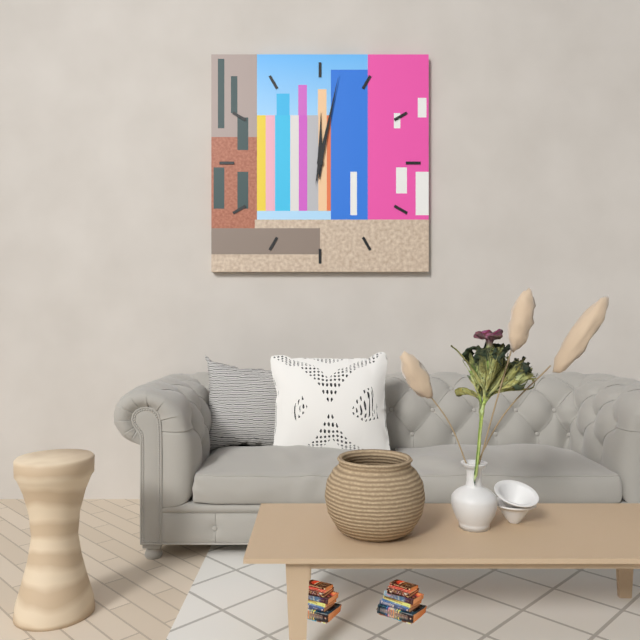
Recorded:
{"hour": 12, "minute": 2}
